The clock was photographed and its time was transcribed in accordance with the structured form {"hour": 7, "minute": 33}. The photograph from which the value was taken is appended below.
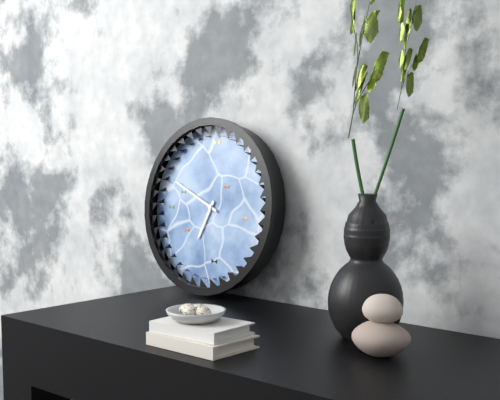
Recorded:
{"hour": 6, "minute": 49}
